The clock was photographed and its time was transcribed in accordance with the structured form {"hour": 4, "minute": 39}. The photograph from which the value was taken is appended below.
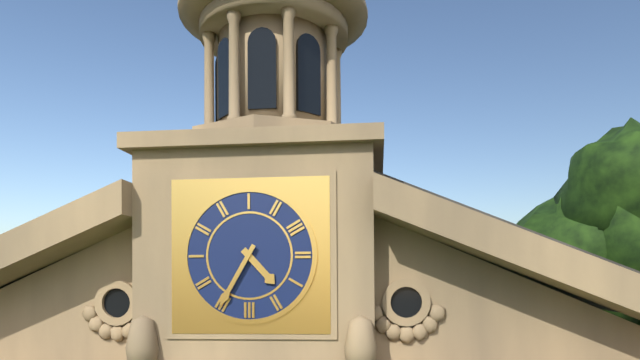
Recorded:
{"hour": 4, "minute": 35}
